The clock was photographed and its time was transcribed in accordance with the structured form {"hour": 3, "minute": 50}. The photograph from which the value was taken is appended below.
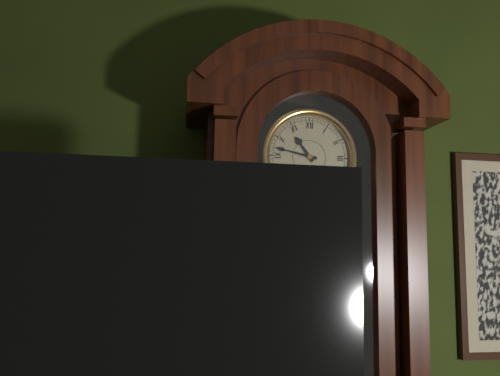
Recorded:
{"hour": 10, "minute": 47}
